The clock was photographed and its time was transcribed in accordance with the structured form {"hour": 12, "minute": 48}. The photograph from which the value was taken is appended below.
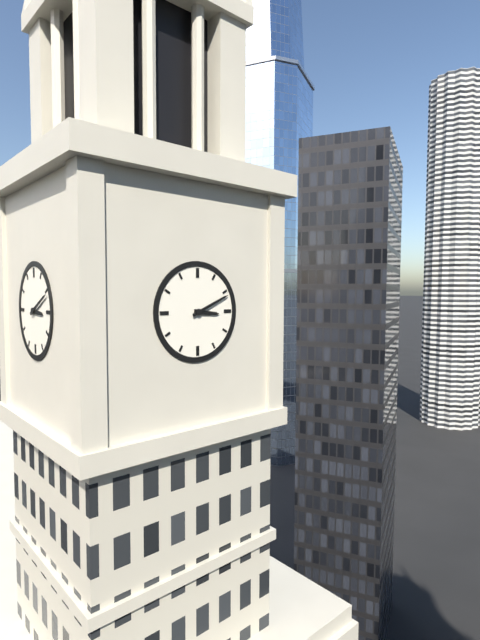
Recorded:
{"hour": 3, "minute": 11}
